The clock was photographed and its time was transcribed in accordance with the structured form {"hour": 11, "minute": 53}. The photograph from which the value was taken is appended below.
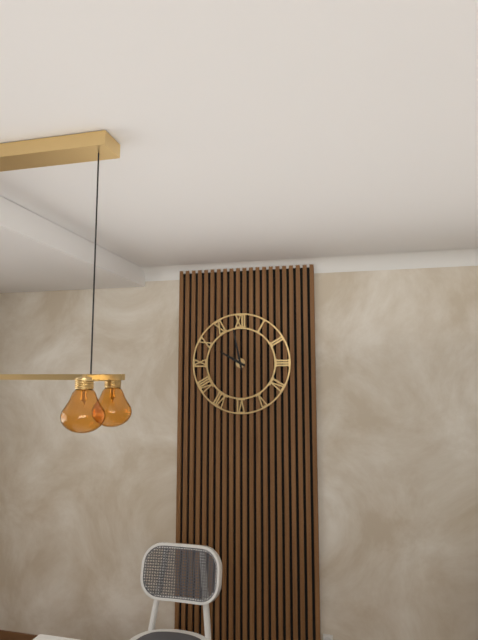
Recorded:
{"hour": 9, "minute": 58}
